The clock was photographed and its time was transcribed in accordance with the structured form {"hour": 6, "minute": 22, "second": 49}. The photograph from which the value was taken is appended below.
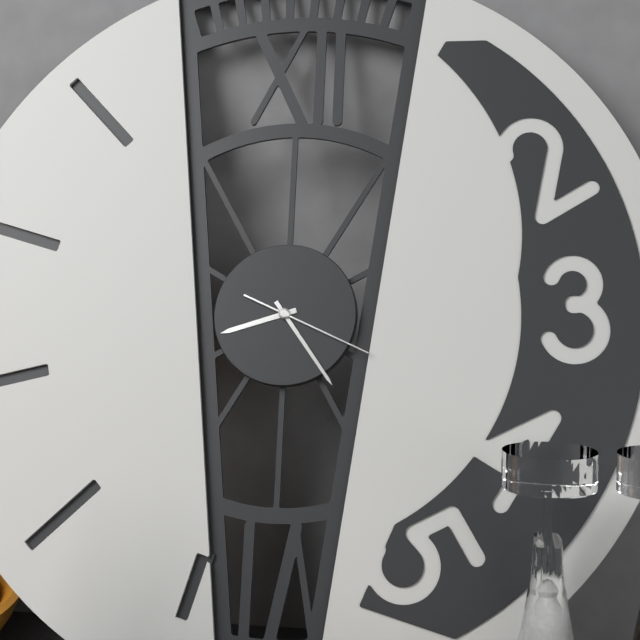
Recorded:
{"hour": 8, "minute": 24, "second": 19}
